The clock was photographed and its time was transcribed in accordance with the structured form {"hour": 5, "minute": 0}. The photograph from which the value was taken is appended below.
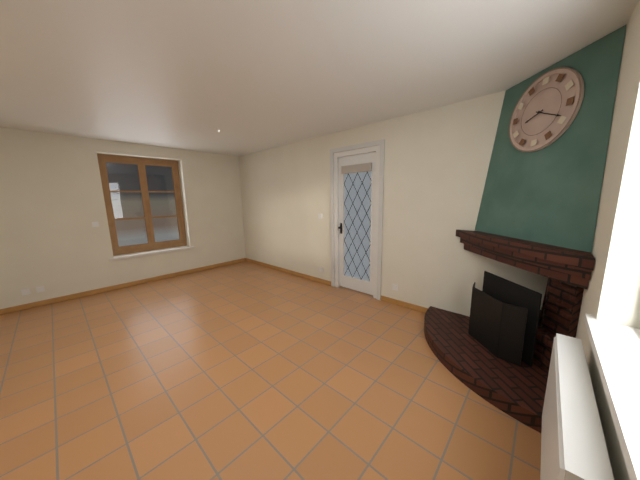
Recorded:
{"hour": 8, "minute": 19}
